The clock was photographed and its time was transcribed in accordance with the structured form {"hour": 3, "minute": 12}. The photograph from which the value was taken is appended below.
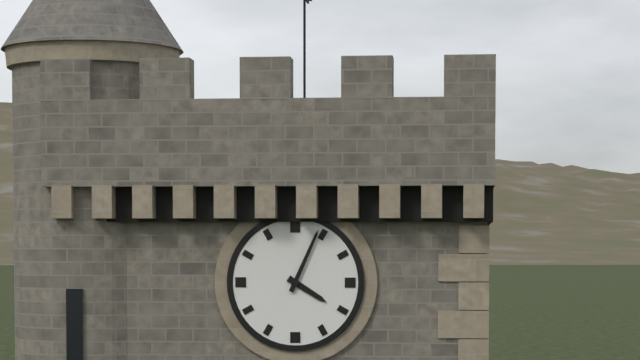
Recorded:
{"hour": 4, "minute": 4}
